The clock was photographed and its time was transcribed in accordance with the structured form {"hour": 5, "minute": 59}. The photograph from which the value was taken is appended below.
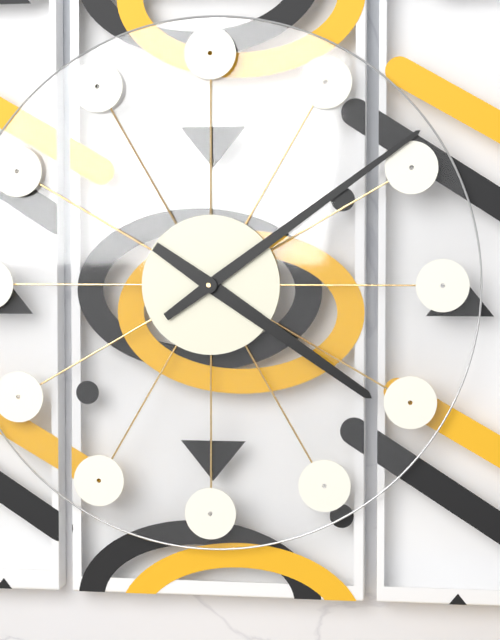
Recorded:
{"hour": 4, "minute": 9}
